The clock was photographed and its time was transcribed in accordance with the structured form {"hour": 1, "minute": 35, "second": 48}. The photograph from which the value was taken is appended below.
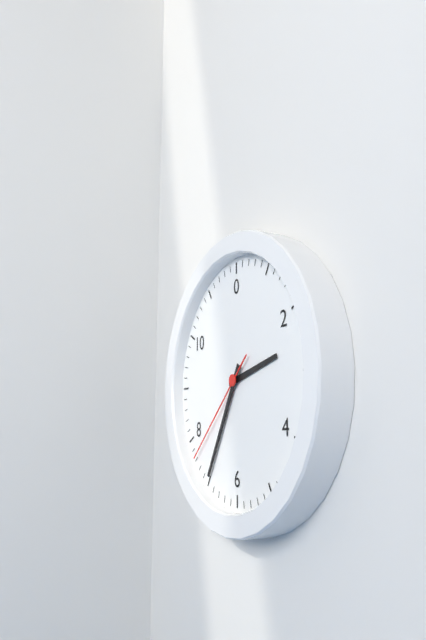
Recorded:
{"hour": 2, "minute": 35, "second": 38}
